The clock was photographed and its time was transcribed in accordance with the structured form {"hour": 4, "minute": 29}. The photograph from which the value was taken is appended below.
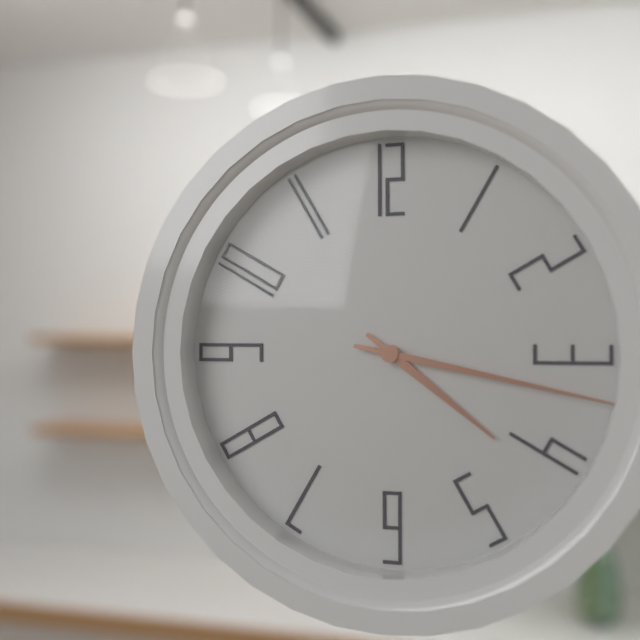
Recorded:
{"hour": 4, "minute": 17}
